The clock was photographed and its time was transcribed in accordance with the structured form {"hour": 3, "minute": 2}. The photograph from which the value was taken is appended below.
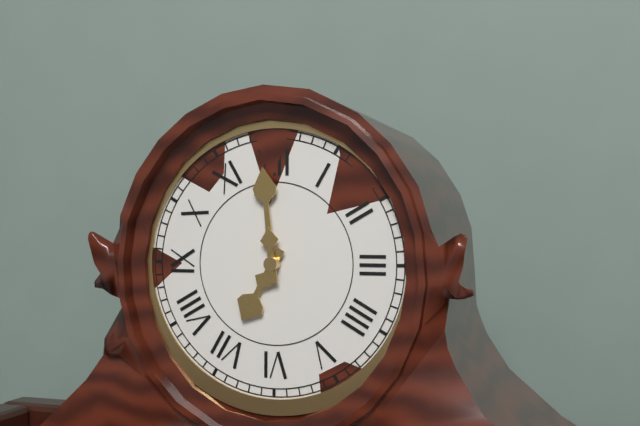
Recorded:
{"hour": 6, "minute": 59}
